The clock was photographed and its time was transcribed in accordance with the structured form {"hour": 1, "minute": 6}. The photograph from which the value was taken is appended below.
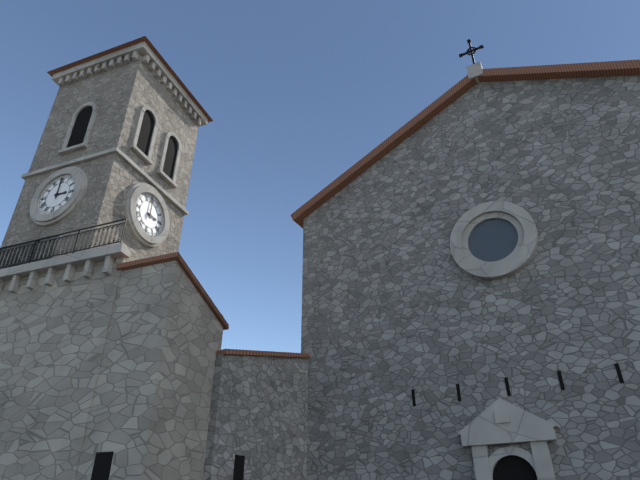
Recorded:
{"hour": 3, "minute": 0}
